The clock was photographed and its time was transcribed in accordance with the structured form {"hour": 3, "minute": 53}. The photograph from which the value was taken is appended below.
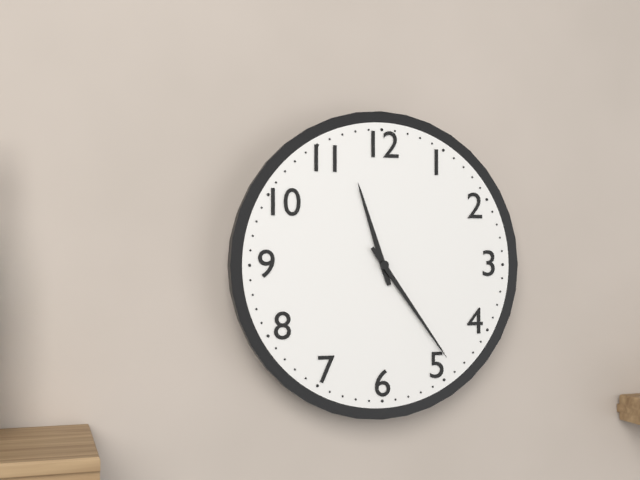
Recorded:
{"hour": 11, "minute": 24}
